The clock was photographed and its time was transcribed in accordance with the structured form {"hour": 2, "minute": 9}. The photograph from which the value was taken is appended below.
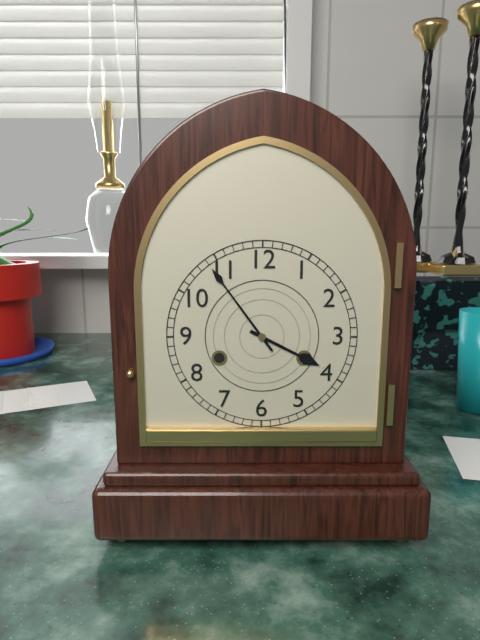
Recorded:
{"hour": 3, "minute": 54}
